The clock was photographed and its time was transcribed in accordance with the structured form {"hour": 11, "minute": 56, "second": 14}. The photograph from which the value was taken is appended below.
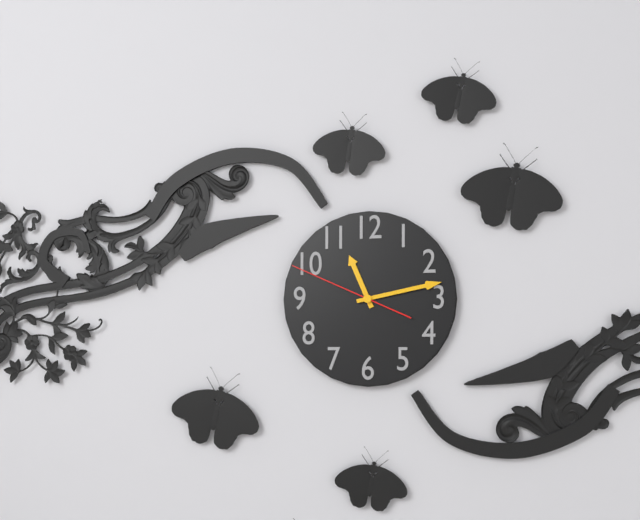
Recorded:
{"hour": 11, "minute": 13, "second": 49}
